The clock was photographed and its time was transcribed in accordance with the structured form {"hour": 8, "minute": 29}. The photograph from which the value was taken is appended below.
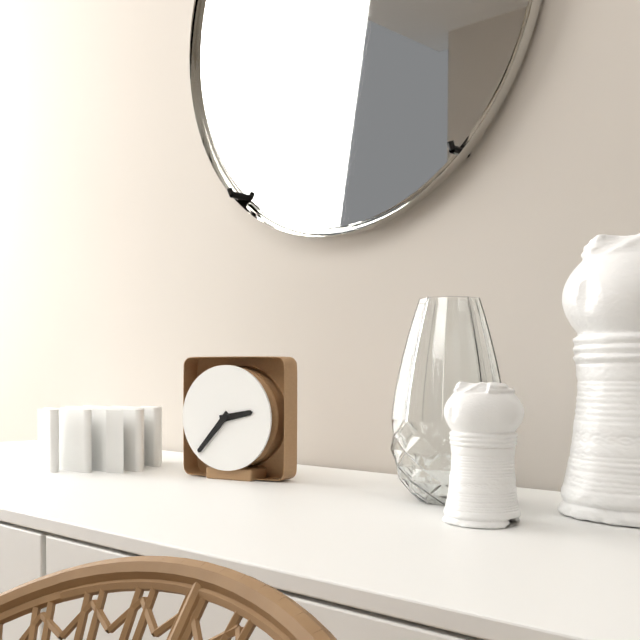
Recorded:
{"hour": 2, "minute": 37}
